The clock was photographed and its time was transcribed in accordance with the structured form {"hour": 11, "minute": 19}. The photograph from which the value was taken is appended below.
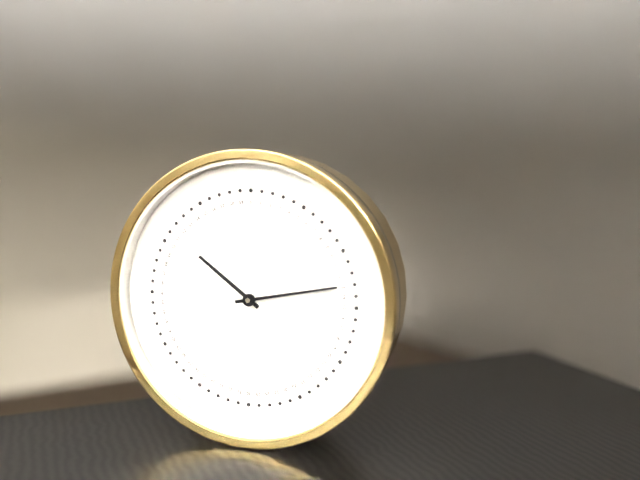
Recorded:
{"hour": 10, "minute": 13}
